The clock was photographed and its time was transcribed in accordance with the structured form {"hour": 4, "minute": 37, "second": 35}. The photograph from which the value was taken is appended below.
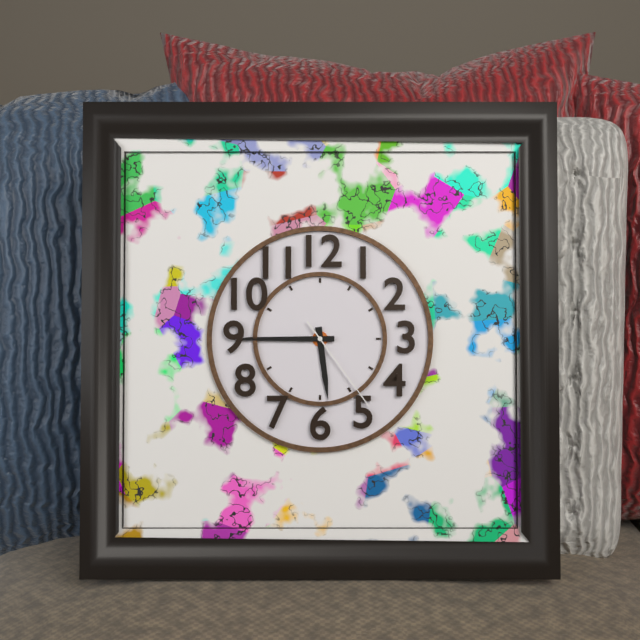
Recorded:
{"hour": 5, "minute": 45, "second": 24}
